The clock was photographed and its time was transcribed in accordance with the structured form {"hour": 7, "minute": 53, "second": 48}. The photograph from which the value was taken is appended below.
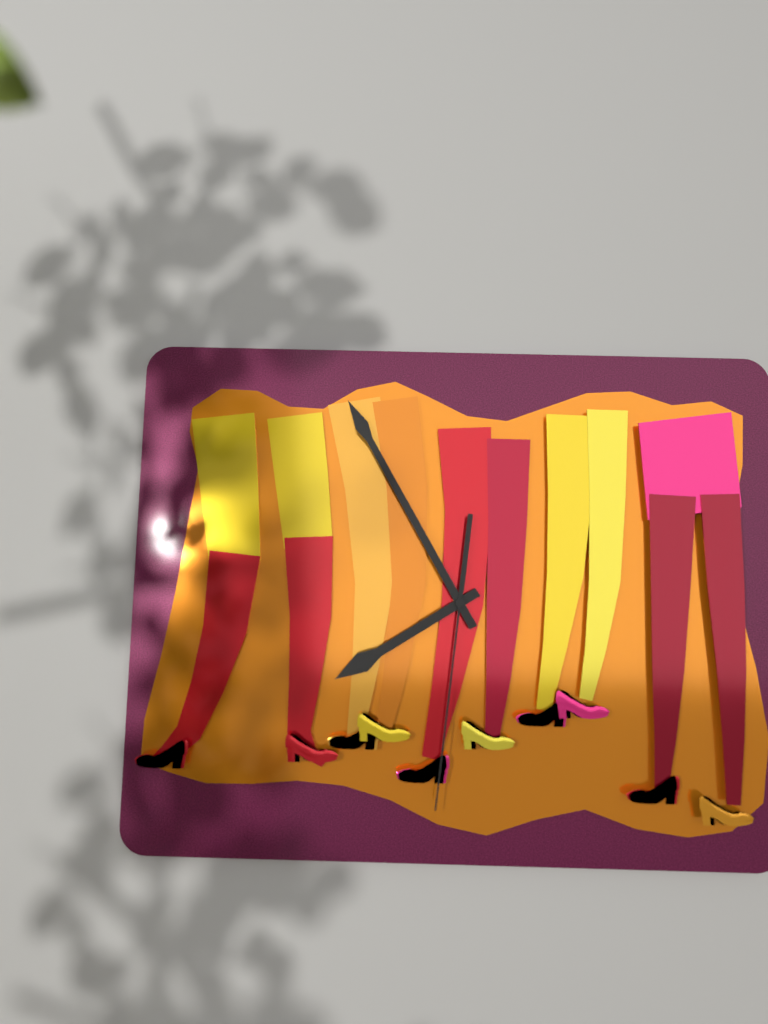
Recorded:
{"hour": 7, "minute": 55, "second": 31}
